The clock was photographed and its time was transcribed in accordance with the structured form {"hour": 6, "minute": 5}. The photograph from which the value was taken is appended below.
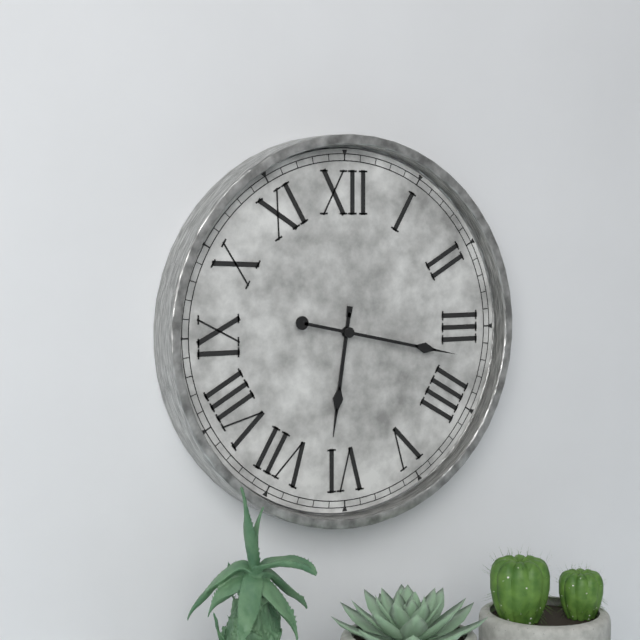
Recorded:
{"hour": 6, "minute": 17}
